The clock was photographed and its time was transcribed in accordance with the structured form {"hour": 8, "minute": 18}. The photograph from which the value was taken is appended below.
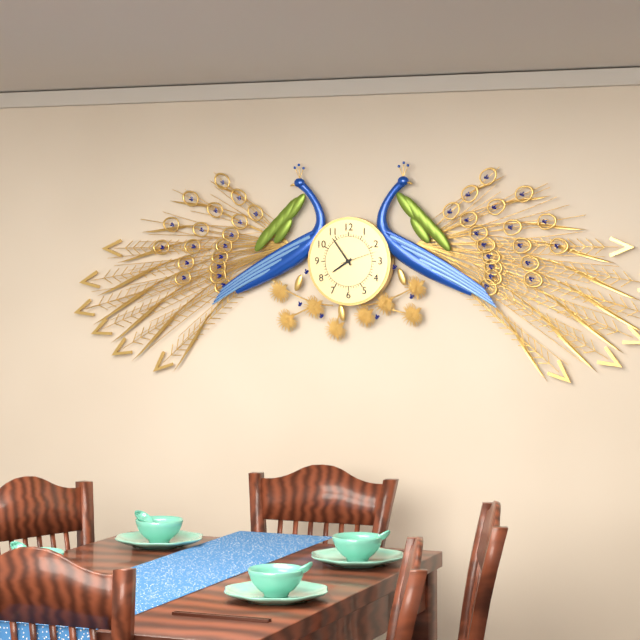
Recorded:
{"hour": 7, "minute": 54}
